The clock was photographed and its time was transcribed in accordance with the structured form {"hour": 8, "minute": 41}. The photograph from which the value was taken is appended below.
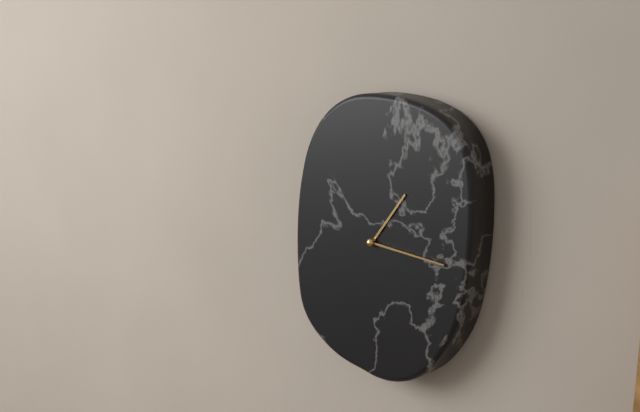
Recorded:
{"hour": 1, "minute": 16}
